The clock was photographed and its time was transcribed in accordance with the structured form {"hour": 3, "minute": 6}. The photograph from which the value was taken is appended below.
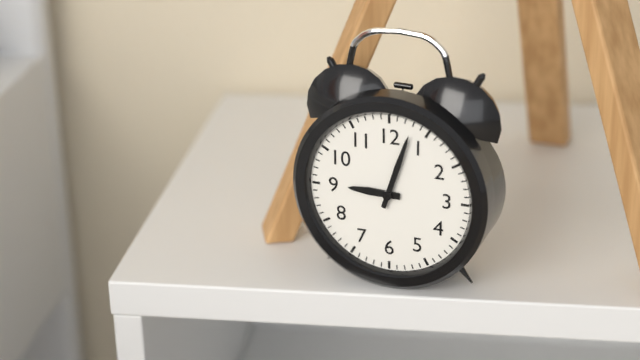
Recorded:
{"hour": 9, "minute": 3}
